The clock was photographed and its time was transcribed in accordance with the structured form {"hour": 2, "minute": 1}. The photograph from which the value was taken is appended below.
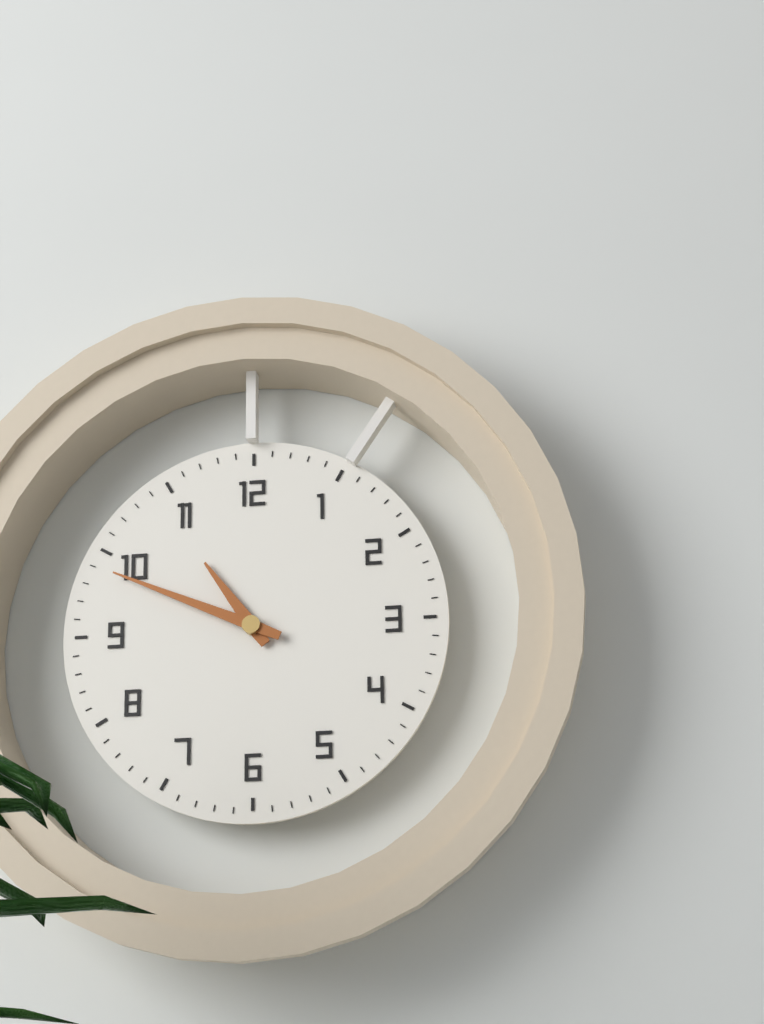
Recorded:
{"hour": 10, "minute": 49}
